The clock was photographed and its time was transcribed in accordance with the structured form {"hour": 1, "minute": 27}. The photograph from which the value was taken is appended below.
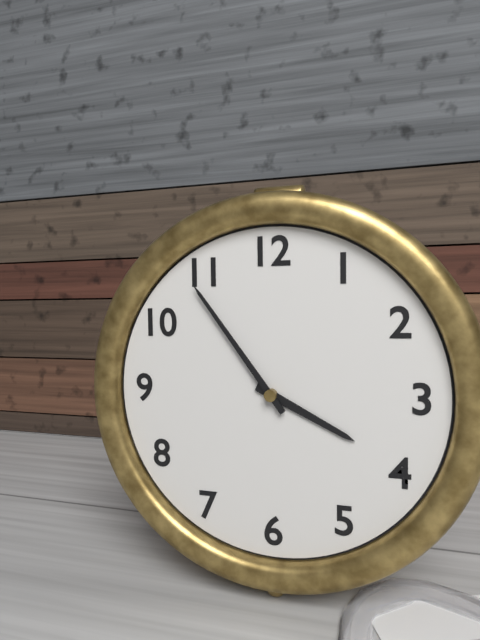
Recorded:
{"hour": 3, "minute": 54}
